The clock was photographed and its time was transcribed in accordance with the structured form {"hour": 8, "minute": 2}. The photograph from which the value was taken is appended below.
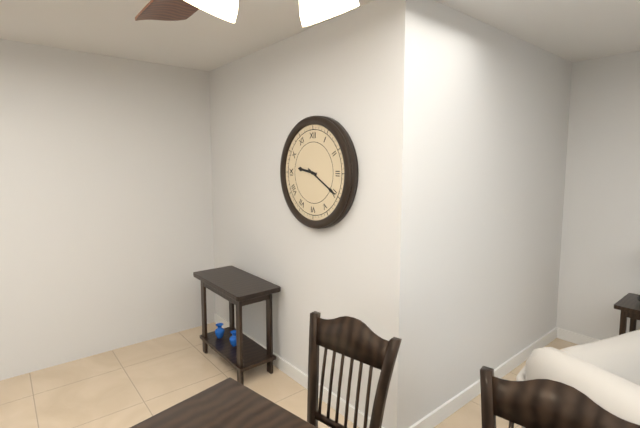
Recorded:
{"hour": 9, "minute": 20}
